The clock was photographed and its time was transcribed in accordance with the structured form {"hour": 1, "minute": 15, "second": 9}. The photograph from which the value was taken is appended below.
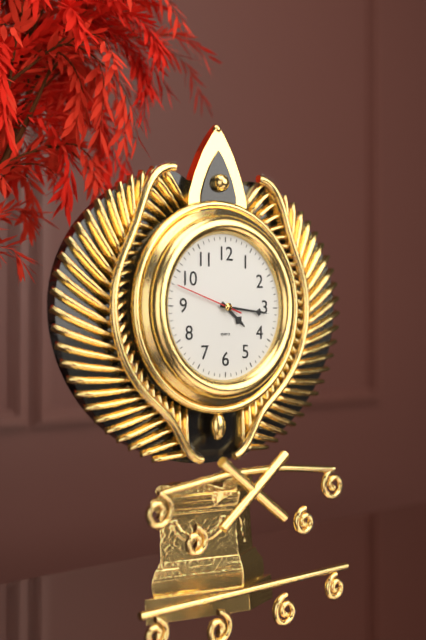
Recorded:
{"hour": 4, "minute": 16, "second": 48}
